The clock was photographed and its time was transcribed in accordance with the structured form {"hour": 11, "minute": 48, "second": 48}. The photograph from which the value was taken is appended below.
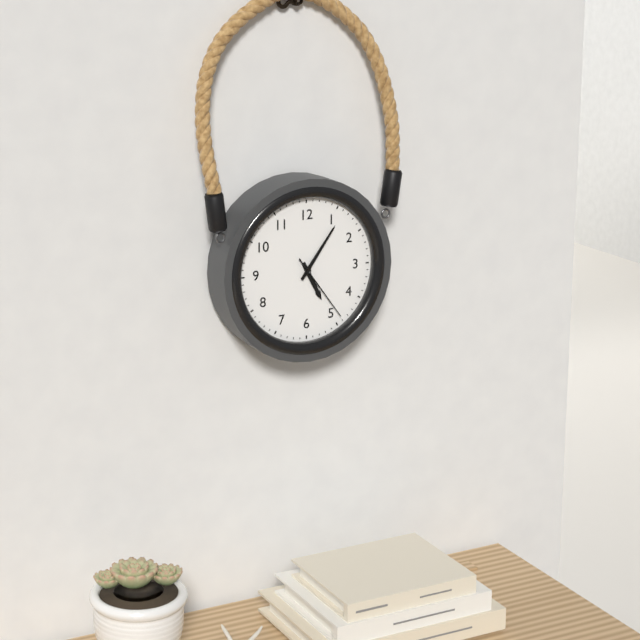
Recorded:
{"hour": 5, "minute": 6, "second": 24}
